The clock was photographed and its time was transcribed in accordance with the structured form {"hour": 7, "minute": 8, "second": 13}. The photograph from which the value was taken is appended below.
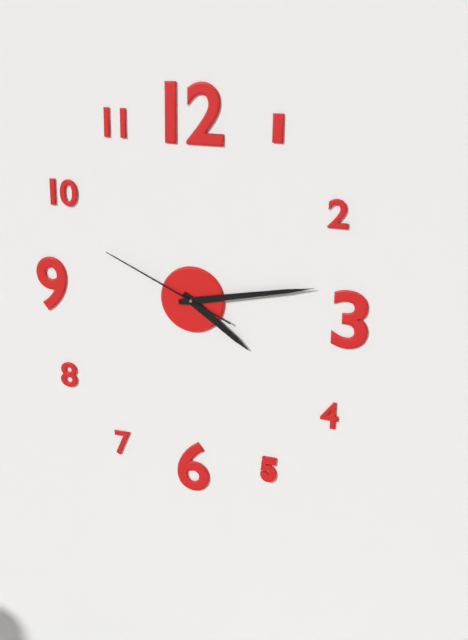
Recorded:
{"hour": 4, "minute": 13, "second": 49}
